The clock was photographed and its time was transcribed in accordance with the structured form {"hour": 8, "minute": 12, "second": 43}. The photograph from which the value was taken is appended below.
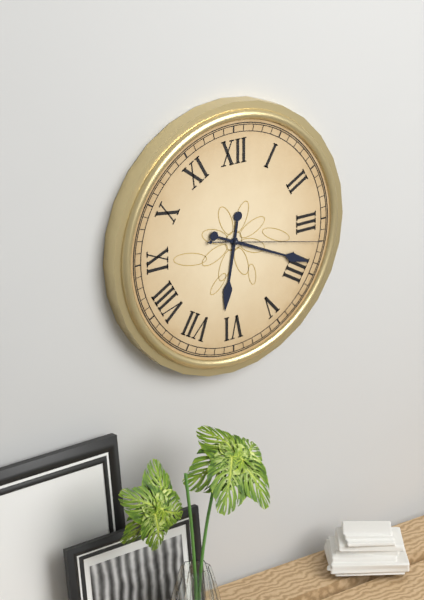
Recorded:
{"hour": 6, "minute": 19, "second": 17}
